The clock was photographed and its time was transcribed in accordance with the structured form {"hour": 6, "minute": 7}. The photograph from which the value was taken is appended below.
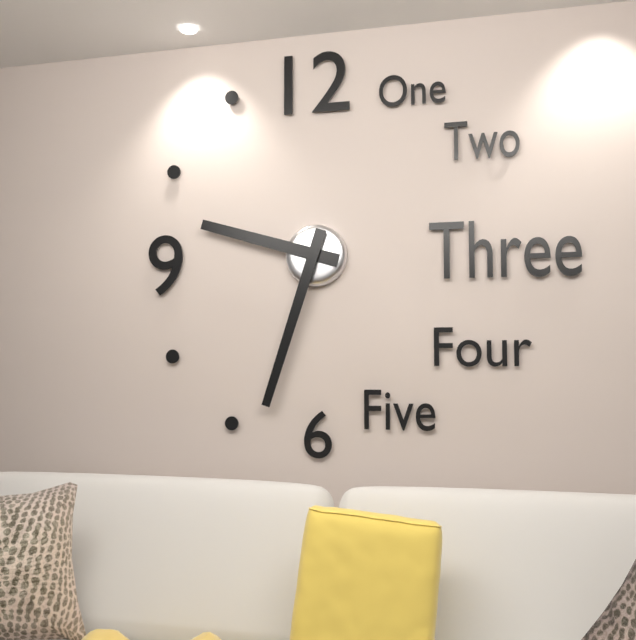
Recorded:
{"hour": 9, "minute": 33}
